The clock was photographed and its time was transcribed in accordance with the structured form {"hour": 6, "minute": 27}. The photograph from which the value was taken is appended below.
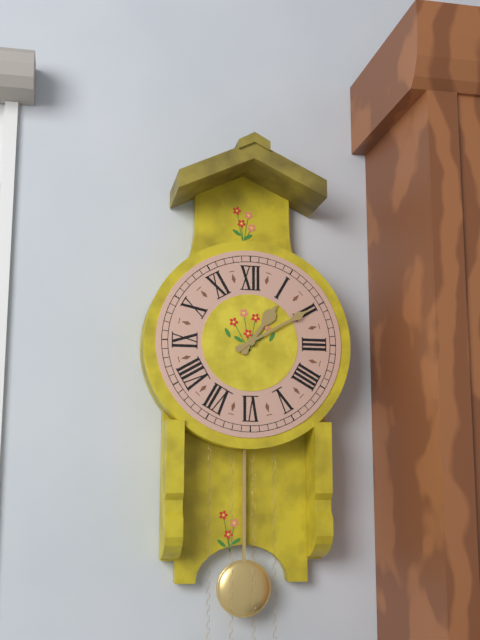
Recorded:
{"hour": 1, "minute": 10}
